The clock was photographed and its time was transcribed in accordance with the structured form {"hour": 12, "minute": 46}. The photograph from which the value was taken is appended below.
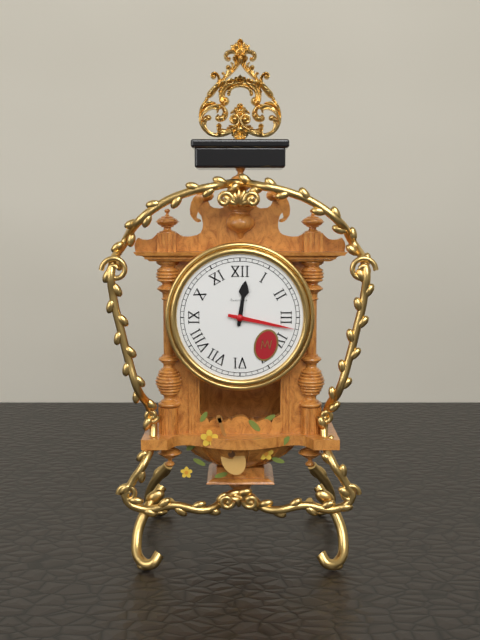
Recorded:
{"hour": 12, "minute": 17}
